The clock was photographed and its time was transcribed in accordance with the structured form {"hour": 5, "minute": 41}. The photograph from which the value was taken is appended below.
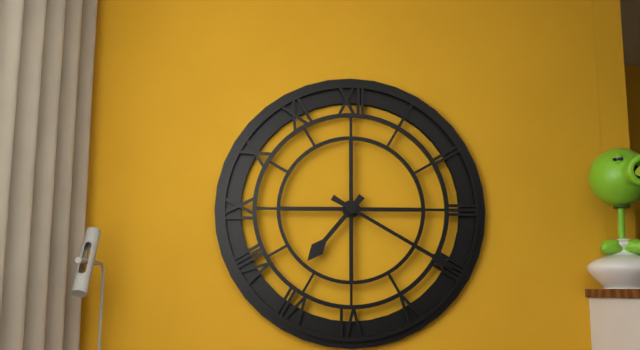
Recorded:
{"hour": 7, "minute": 20}
